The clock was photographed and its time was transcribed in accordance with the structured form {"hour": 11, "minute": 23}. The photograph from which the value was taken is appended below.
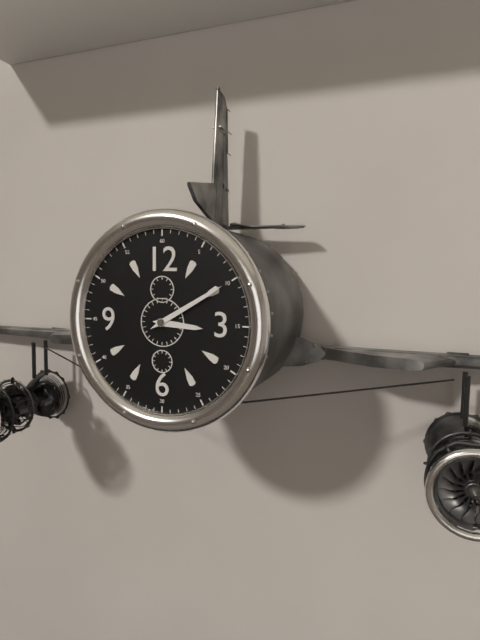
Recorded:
{"hour": 3, "minute": 10}
